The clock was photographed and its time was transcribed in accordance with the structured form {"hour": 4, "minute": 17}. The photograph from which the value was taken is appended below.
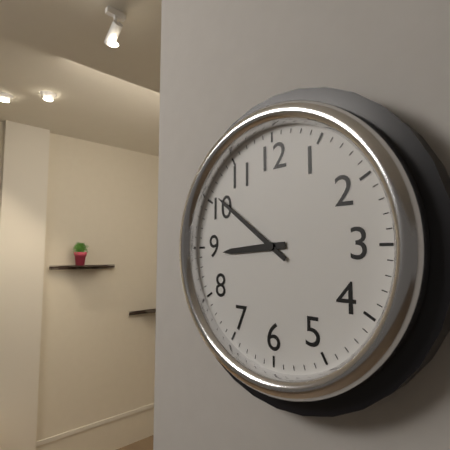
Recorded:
{"hour": 8, "minute": 51}
